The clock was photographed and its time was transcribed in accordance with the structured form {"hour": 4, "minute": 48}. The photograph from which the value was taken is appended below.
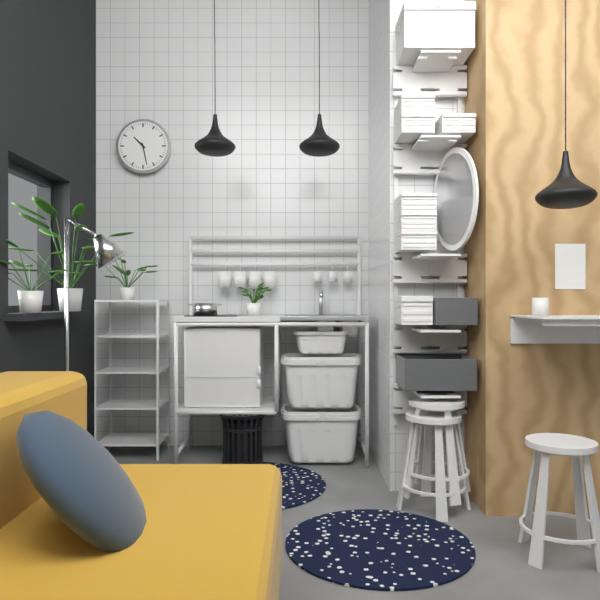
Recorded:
{"hour": 10, "minute": 28}
